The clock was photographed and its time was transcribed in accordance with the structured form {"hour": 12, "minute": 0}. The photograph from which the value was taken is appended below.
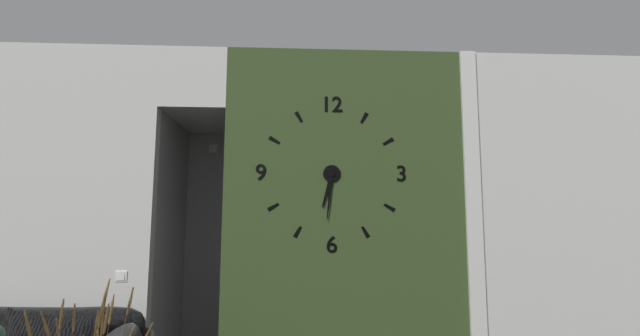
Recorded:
{"hour": 6, "minute": 31}
